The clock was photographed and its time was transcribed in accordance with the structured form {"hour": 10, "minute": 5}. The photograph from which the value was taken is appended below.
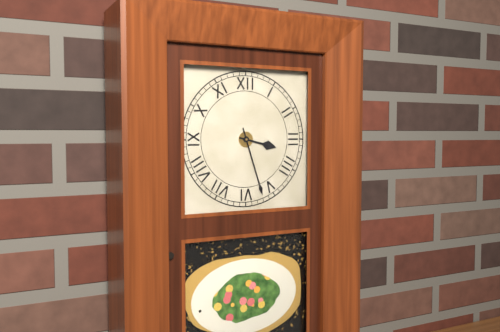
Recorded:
{"hour": 3, "minute": 27}
